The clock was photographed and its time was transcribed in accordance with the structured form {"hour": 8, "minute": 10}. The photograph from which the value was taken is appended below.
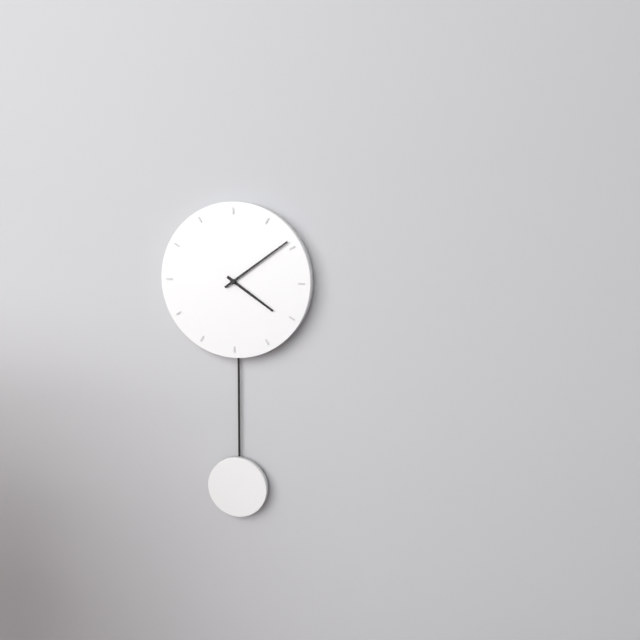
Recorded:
{"hour": 4, "minute": 9}
